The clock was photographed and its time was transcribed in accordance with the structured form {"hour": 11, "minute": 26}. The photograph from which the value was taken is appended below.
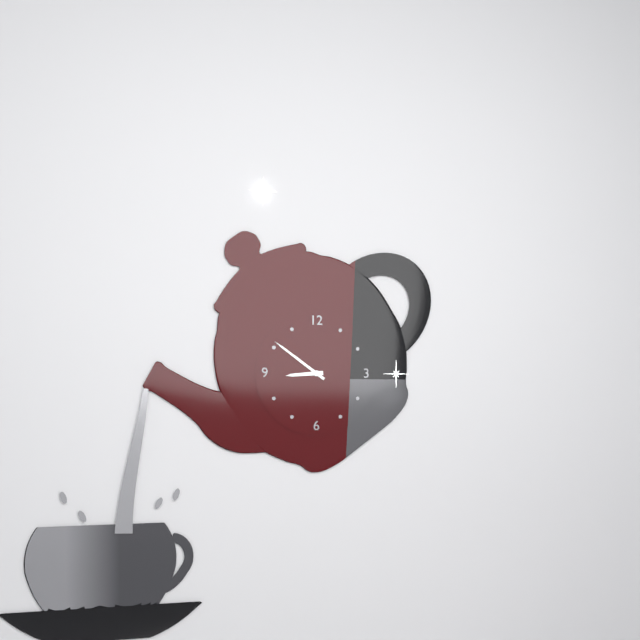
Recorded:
{"hour": 8, "minute": 51}
